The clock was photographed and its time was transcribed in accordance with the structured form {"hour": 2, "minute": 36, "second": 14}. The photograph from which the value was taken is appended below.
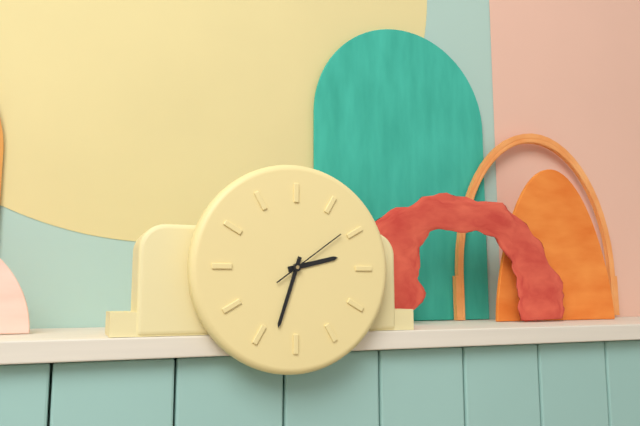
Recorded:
{"hour": 2, "minute": 33, "second": 9}
